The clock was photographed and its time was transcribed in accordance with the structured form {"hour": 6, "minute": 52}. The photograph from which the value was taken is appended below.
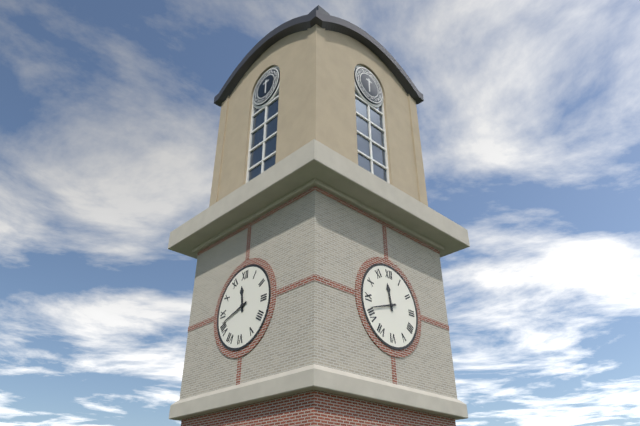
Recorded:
{"hour": 11, "minute": 42}
